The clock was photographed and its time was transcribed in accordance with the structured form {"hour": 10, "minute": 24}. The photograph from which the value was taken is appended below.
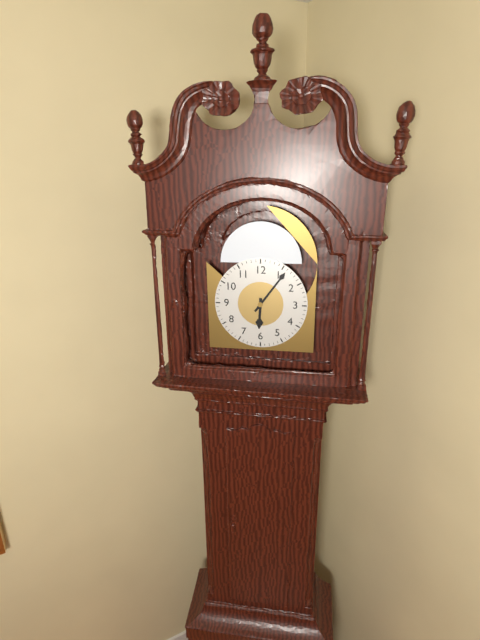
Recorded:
{"hour": 6, "minute": 6}
